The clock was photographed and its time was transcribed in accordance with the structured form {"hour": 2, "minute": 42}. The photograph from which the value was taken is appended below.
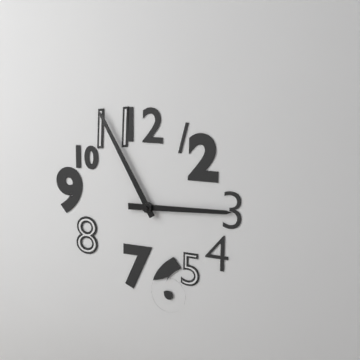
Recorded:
{"hour": 2, "minute": 55}
